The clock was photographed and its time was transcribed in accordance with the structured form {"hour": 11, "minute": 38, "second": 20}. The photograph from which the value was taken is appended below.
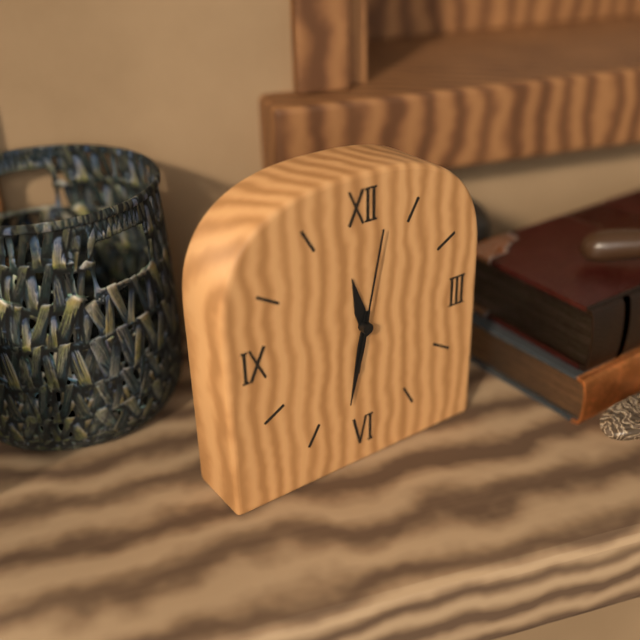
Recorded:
{"hour": 11, "minute": 32, "second": 2}
